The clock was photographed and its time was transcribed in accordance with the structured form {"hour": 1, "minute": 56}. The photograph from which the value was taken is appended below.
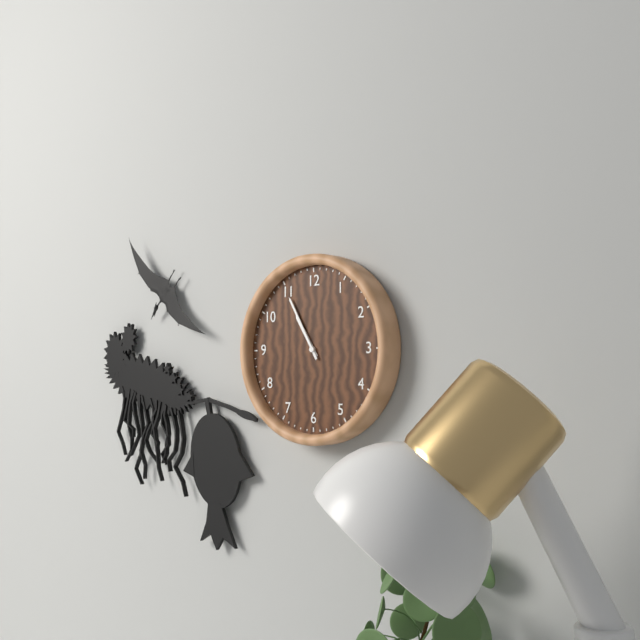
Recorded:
{"hour": 10, "minute": 55}
